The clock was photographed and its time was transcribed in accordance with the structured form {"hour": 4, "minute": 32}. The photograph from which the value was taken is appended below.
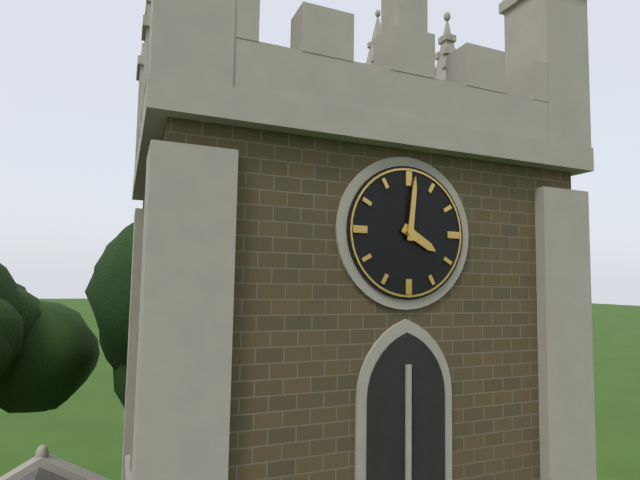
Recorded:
{"hour": 4, "minute": 1}
